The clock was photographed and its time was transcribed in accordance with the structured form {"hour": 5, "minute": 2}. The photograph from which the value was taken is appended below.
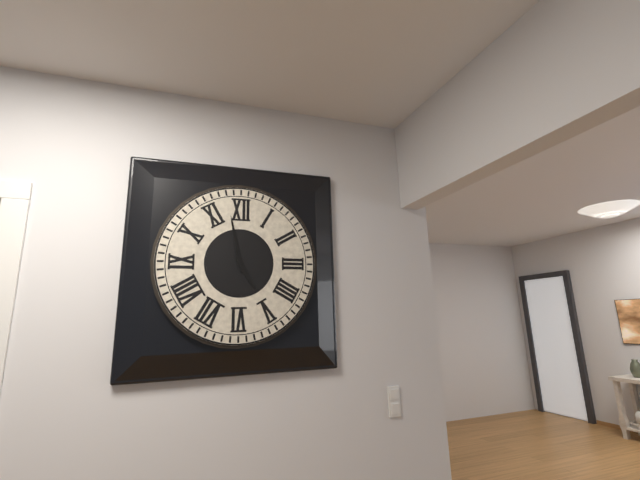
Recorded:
{"hour": 4, "minute": 58}
